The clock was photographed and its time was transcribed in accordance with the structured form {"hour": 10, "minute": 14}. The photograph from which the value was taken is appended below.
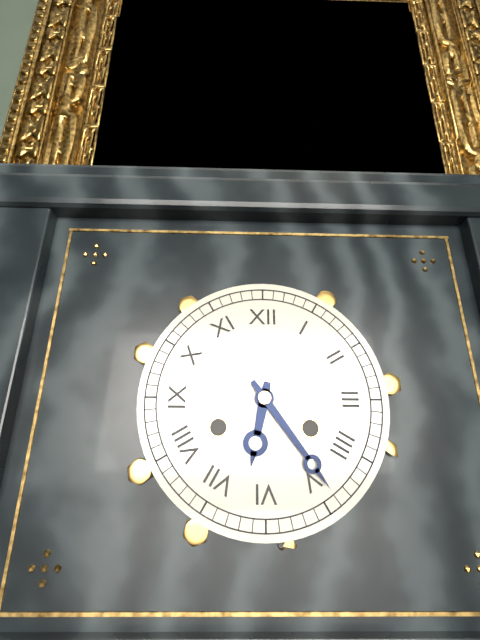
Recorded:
{"hour": 6, "minute": 24}
